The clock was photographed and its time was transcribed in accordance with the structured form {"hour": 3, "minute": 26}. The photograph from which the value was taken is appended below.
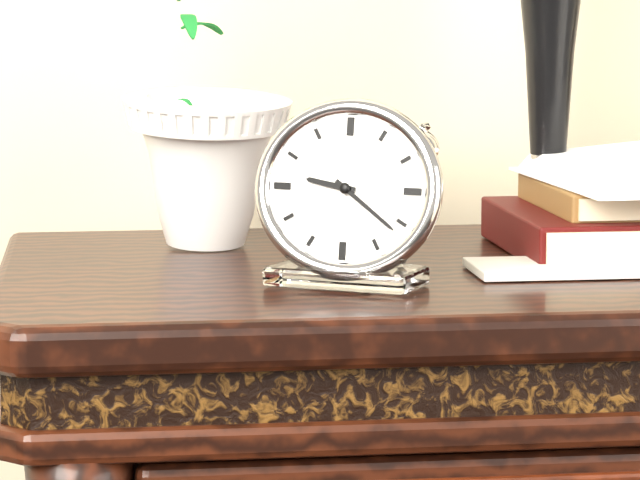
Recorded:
{"hour": 9, "minute": 21}
